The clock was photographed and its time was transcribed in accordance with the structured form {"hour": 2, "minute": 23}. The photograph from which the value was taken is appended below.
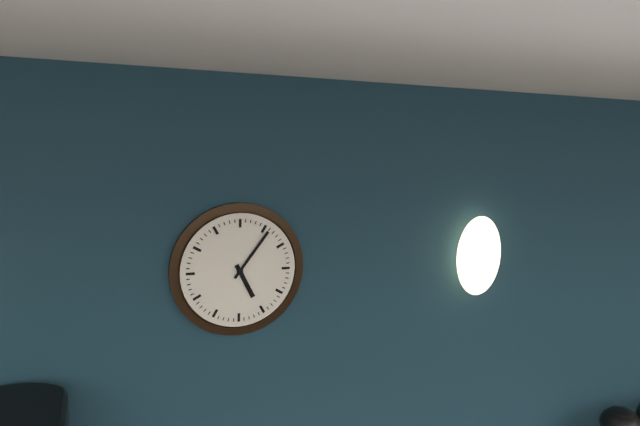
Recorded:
{"hour": 5, "minute": 6}
